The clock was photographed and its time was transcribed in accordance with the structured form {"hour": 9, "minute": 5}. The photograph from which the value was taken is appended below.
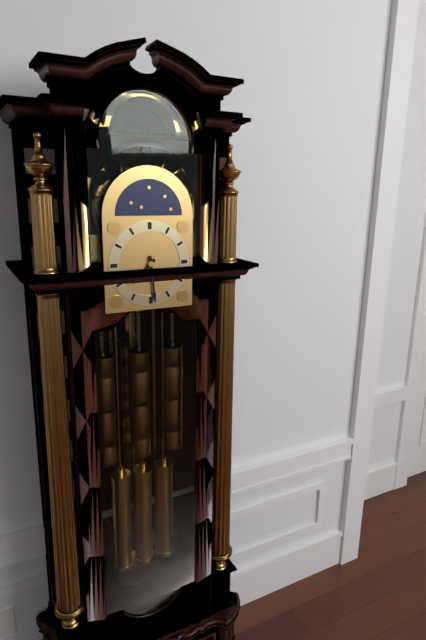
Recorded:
{"hour": 7, "minute": 29}
